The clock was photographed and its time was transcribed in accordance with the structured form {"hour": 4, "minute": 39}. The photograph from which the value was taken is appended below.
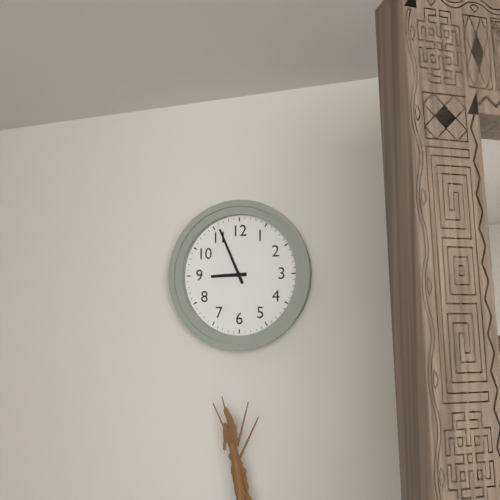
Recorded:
{"hour": 8, "minute": 56}
